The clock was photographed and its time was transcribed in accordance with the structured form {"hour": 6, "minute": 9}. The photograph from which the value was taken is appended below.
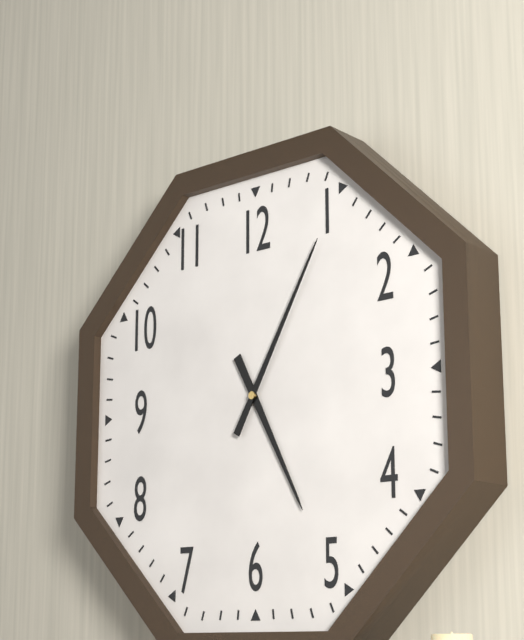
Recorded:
{"hour": 5, "minute": 5}
